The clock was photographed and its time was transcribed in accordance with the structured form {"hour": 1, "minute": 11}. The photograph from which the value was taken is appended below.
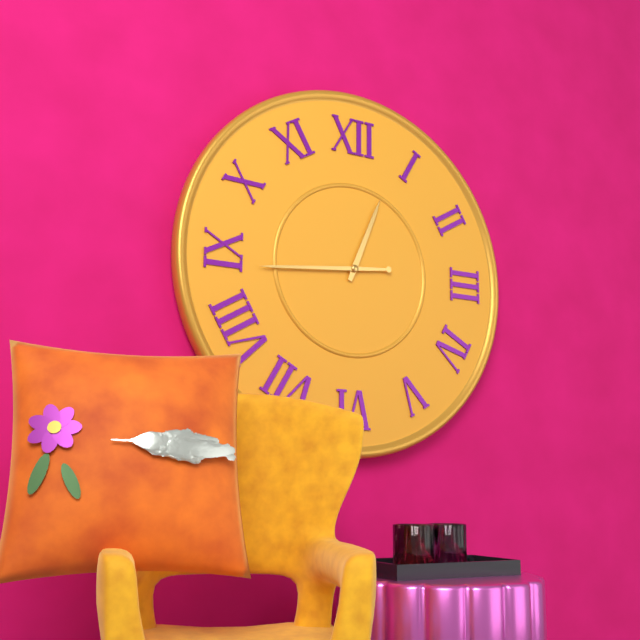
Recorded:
{"hour": 12, "minute": 44}
